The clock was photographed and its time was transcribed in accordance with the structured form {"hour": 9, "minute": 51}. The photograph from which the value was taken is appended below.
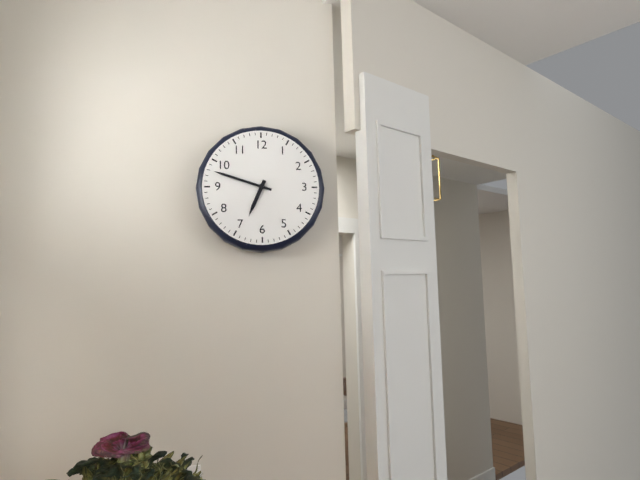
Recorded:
{"hour": 6, "minute": 48}
